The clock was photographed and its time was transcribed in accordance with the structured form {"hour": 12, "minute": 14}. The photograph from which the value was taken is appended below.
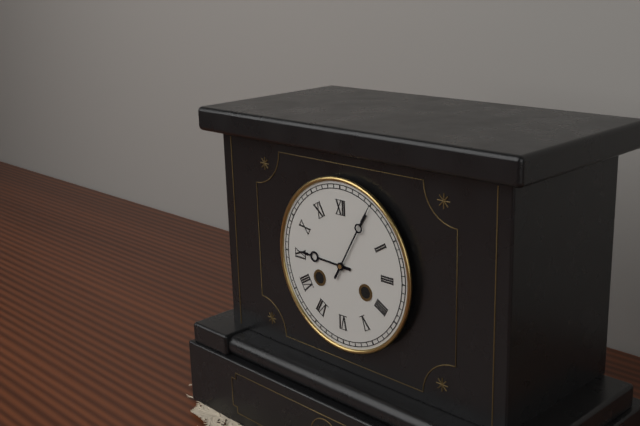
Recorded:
{"hour": 9, "minute": 5}
